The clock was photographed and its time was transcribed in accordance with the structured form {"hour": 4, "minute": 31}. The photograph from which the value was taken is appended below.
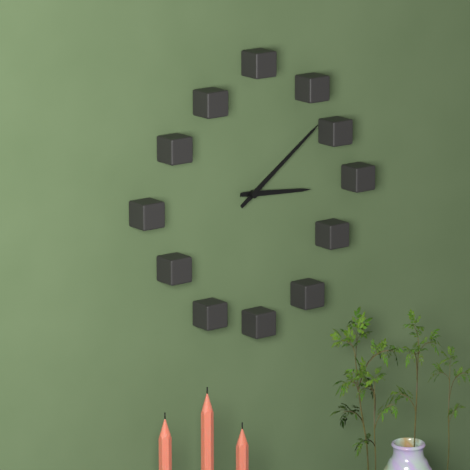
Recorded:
{"hour": 3, "minute": 9}
